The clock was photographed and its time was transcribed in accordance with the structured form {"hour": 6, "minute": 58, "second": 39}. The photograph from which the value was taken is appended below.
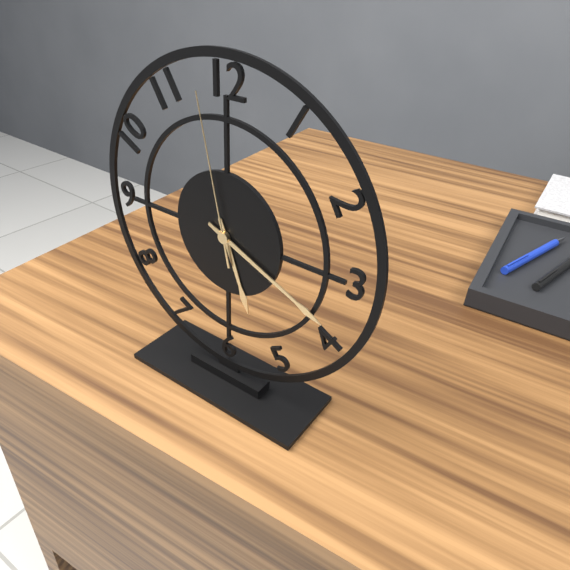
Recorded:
{"hour": 5, "minute": 19, "second": 58}
